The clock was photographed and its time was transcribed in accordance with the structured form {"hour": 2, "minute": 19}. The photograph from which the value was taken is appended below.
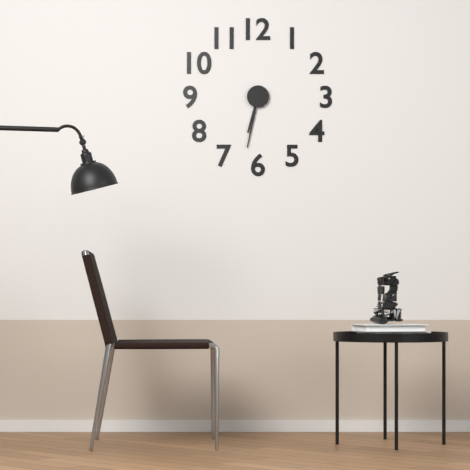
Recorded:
{"hour": 6, "minute": 32}
